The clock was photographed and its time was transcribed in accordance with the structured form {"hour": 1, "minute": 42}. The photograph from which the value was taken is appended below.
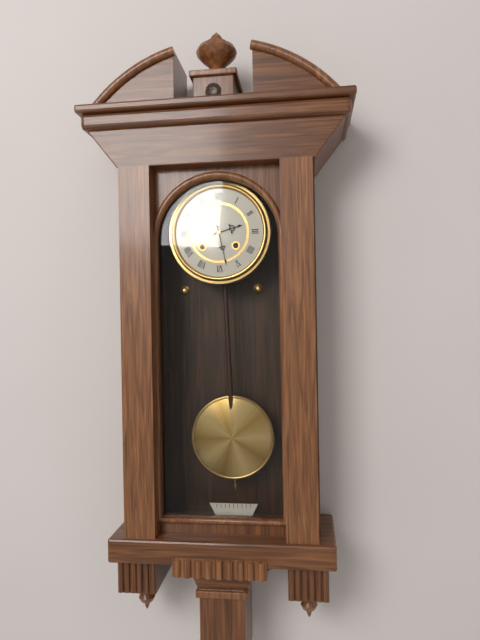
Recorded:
{"hour": 2, "minute": 28}
